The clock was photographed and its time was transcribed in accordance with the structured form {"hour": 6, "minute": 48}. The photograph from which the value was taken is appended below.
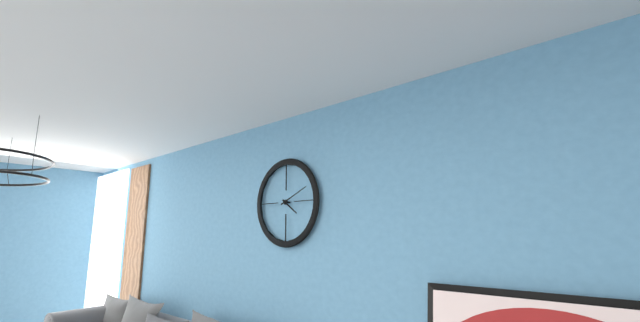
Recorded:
{"hour": 4, "minute": 11}
